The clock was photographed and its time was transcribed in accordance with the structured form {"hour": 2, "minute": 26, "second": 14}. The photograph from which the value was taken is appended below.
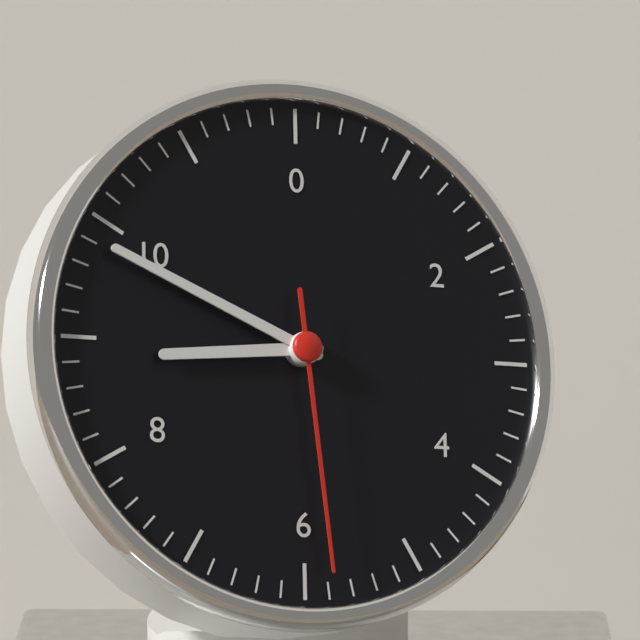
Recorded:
{"hour": 8, "minute": 49, "second": 29}
